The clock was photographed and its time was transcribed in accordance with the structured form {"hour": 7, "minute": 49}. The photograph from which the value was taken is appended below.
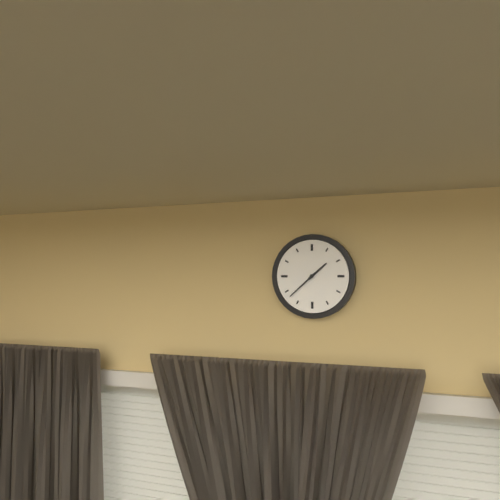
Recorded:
{"hour": 1, "minute": 38}
